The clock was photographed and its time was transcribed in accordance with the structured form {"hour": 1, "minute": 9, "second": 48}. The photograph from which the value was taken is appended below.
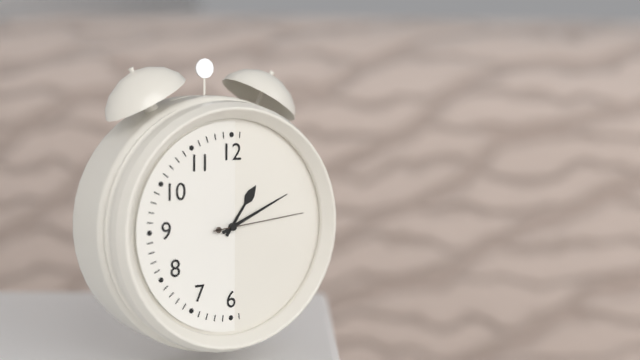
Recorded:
{"hour": 1, "minute": 11, "second": 14}
